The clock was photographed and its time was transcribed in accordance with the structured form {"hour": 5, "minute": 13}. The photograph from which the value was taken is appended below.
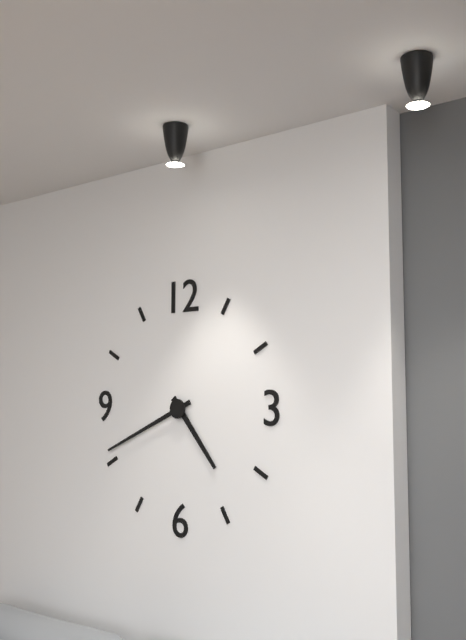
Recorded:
{"hour": 4, "minute": 41}
